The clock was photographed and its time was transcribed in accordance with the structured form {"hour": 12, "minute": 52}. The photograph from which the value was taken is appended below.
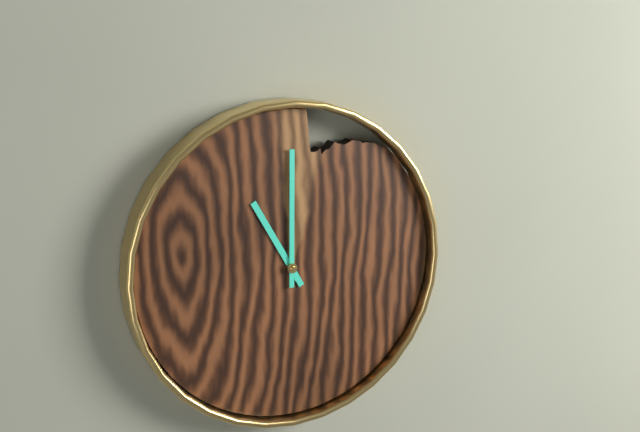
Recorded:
{"hour": 11, "minute": 0}
